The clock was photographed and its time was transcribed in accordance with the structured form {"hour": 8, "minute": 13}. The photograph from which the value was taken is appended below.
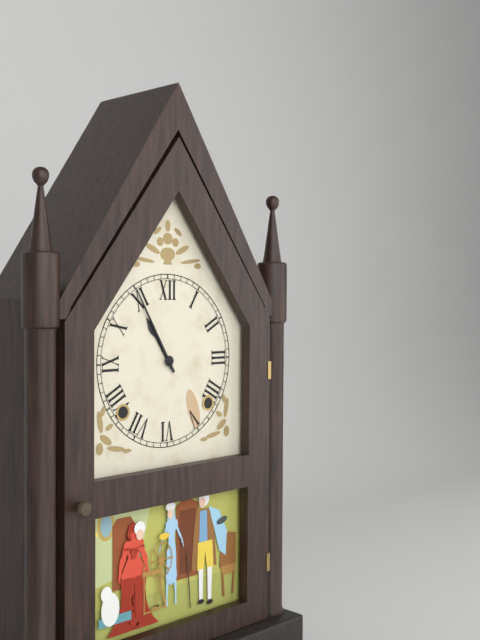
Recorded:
{"hour": 10, "minute": 55}
